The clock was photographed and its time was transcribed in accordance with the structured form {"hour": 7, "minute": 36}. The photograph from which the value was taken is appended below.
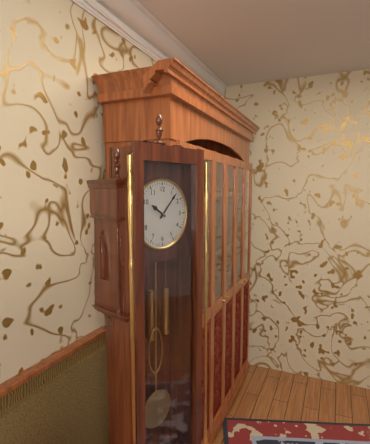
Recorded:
{"hour": 10, "minute": 7}
